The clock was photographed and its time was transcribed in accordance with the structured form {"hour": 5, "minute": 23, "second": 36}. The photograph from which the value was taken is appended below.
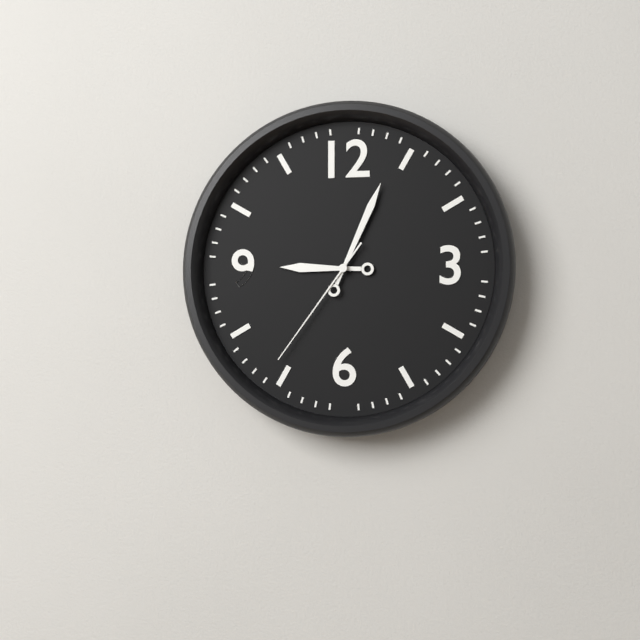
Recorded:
{"hour": 9, "minute": 4, "second": 36}
